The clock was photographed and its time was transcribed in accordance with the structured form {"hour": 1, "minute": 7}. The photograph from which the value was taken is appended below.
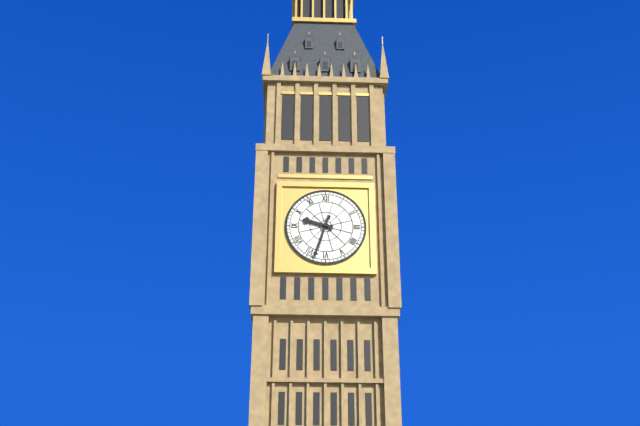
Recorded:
{"hour": 9, "minute": 33}
